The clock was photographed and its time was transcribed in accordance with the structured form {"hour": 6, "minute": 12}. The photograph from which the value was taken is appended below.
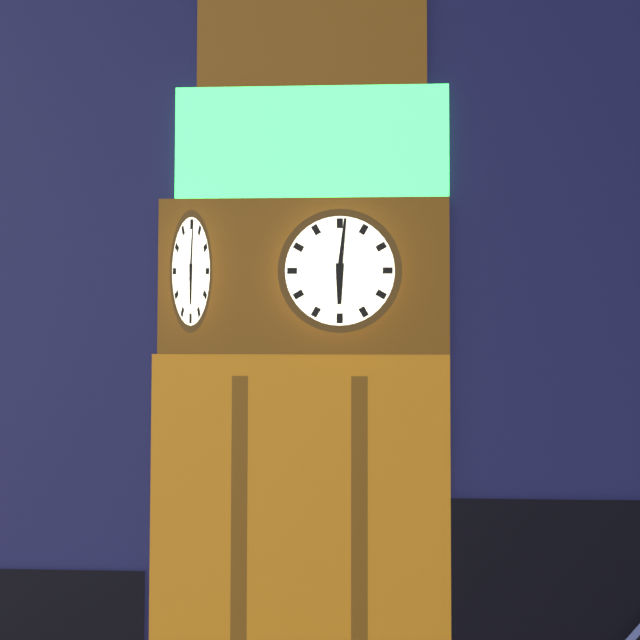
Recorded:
{"hour": 6, "minute": 1}
